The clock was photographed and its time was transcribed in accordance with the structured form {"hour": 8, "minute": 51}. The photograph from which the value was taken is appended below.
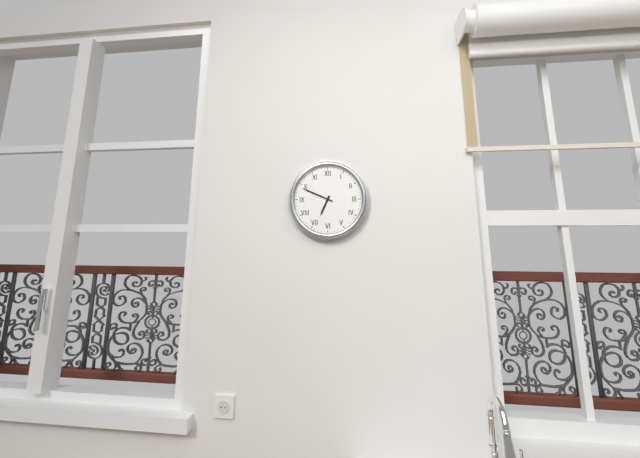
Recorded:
{"hour": 6, "minute": 49}
